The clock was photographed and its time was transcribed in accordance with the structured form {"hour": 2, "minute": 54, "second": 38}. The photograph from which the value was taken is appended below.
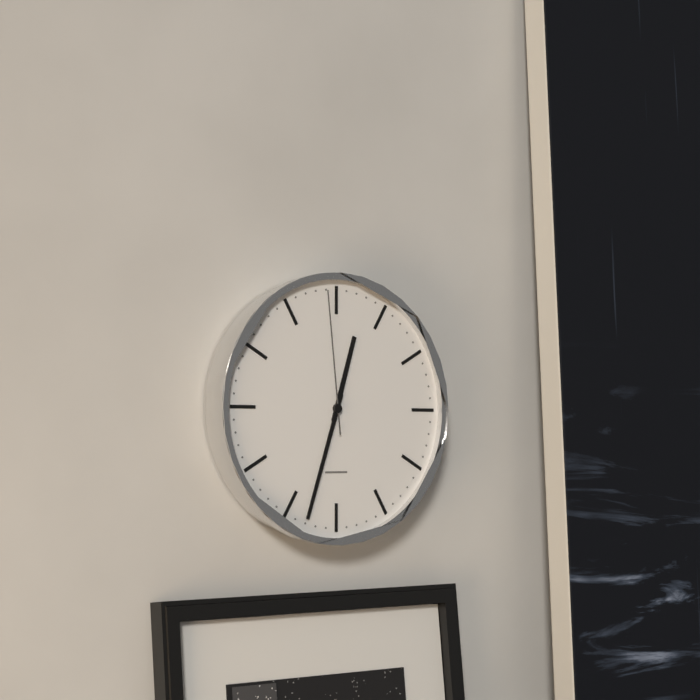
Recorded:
{"hour": 12, "minute": 33, "second": 59}
